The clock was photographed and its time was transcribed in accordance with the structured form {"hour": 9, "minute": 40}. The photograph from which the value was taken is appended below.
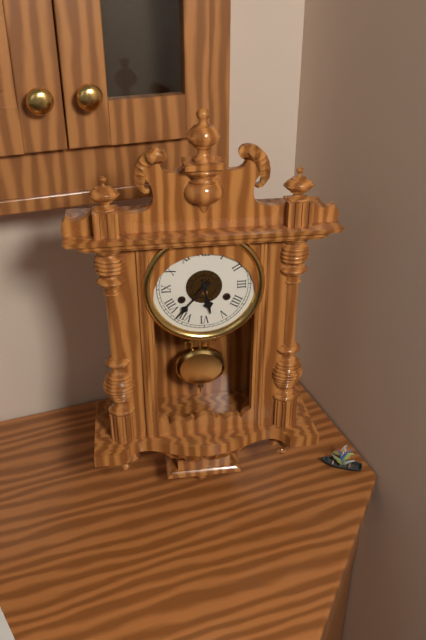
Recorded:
{"hour": 5, "minute": 37}
